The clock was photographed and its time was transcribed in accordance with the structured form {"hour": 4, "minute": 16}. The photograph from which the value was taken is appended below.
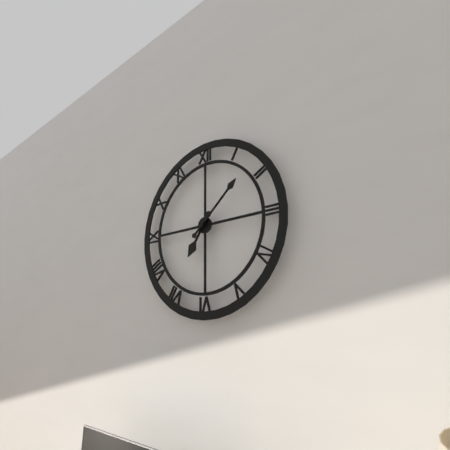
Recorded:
{"hour": 7, "minute": 8}
